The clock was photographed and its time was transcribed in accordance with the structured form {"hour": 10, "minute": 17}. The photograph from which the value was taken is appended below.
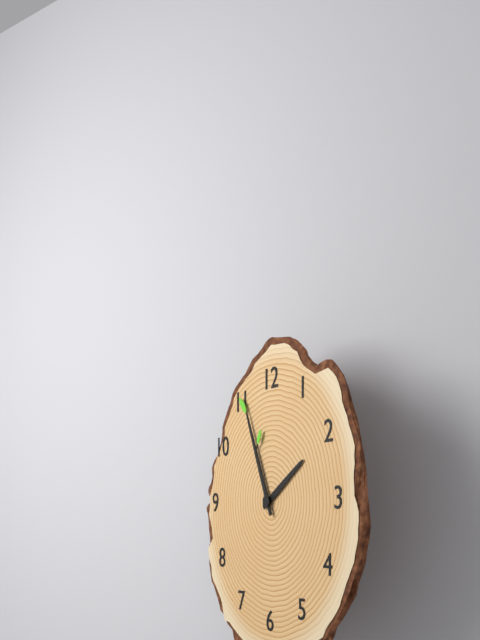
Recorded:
{"hour": 1, "minute": 56}
